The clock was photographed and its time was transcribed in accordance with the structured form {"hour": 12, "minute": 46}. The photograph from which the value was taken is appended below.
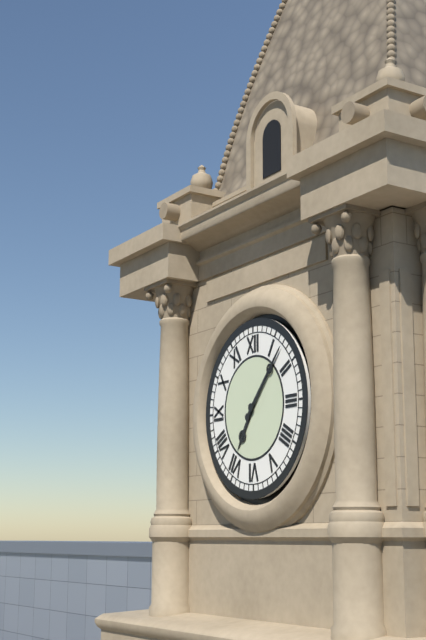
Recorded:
{"hour": 7, "minute": 7}
